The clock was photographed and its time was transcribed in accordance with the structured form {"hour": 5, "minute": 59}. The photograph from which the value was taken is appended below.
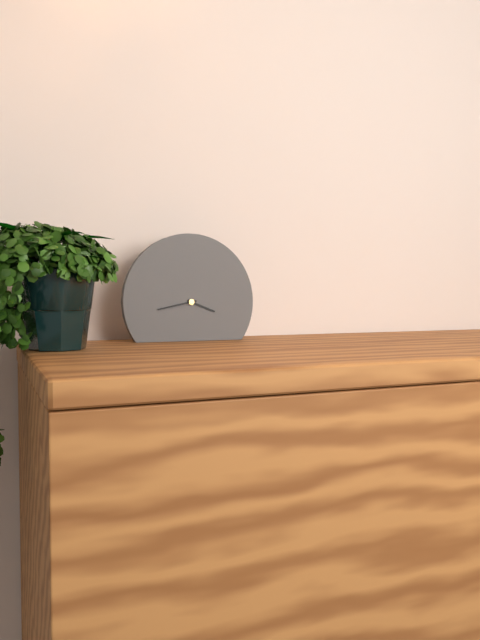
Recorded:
{"hour": 3, "minute": 43}
